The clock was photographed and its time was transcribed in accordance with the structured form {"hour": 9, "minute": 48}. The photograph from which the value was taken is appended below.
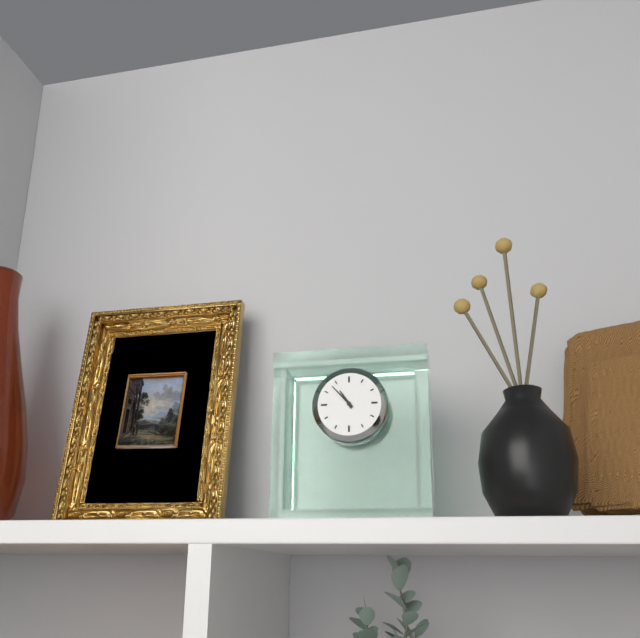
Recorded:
{"hour": 10, "minute": 53}
